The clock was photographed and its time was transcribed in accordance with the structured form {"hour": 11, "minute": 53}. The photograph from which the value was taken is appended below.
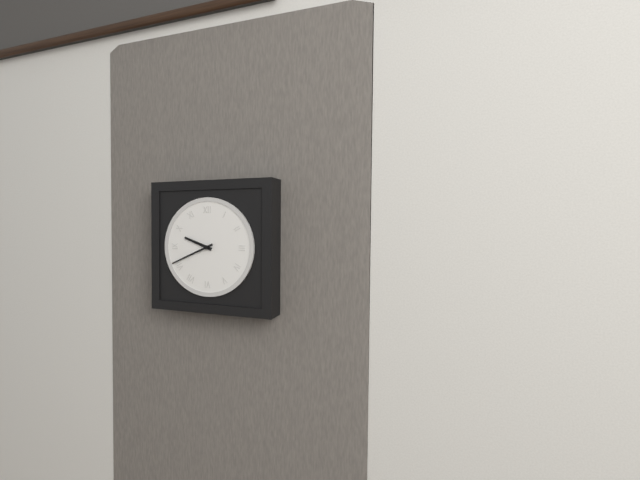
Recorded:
{"hour": 9, "minute": 41}
